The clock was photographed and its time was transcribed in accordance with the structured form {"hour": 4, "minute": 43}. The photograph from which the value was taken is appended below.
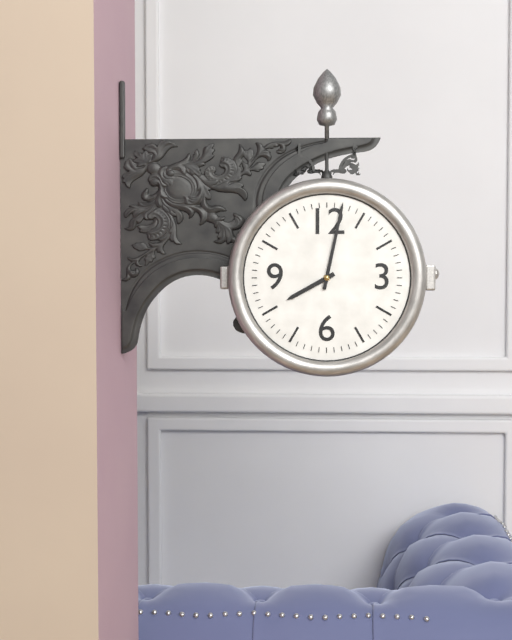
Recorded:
{"hour": 8, "minute": 2}
